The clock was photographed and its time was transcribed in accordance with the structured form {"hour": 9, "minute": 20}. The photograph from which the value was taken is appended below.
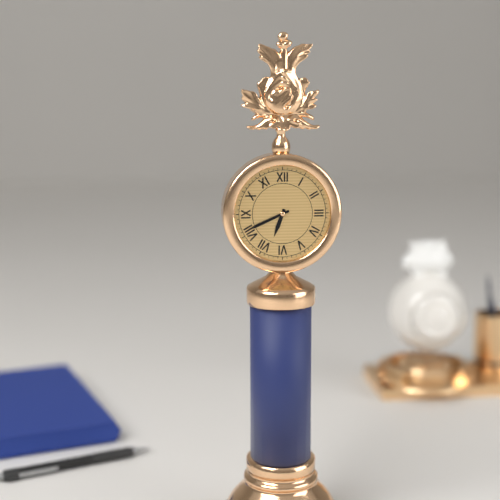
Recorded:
{"hour": 6, "minute": 41}
